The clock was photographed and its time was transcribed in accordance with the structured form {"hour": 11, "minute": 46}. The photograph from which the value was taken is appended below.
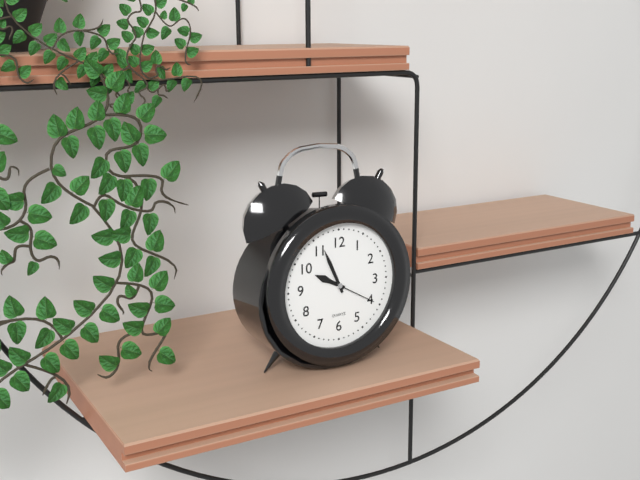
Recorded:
{"hour": 9, "minute": 56}
